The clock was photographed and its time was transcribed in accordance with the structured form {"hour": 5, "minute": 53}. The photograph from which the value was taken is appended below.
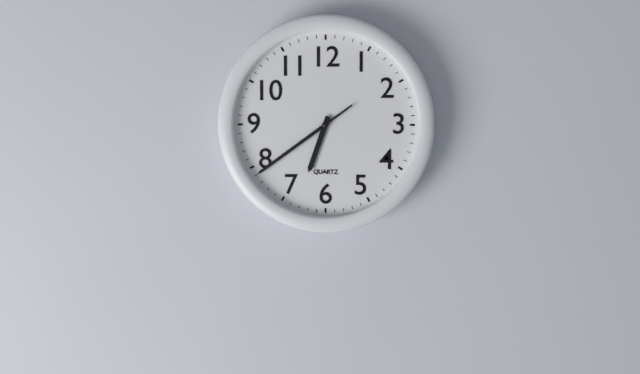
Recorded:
{"hour": 6, "minute": 39}
